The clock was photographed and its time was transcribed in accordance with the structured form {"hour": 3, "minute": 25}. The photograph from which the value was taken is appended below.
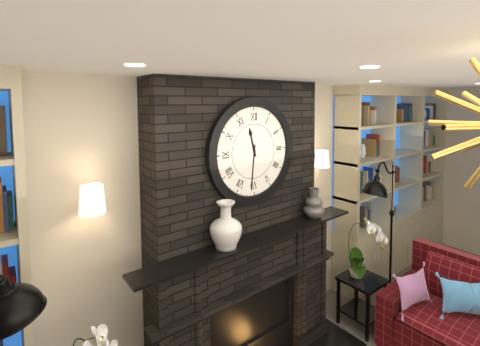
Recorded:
{"hour": 11, "minute": 31}
